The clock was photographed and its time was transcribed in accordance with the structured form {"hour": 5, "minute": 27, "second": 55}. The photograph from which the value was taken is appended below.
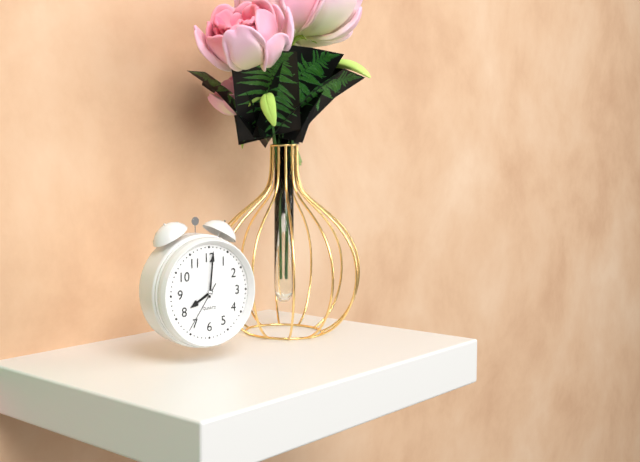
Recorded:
{"hour": 8, "minute": 1, "second": 36}
